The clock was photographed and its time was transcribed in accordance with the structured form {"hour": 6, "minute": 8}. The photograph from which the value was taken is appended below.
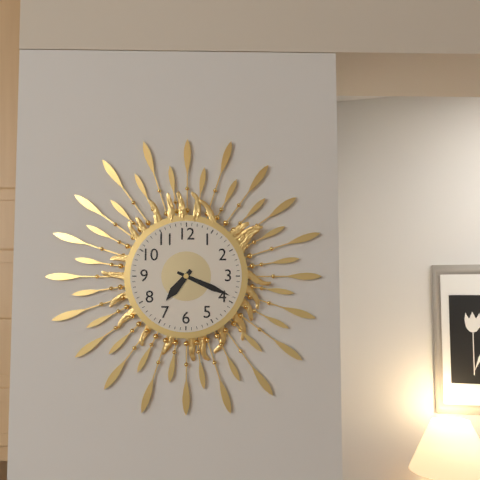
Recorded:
{"hour": 7, "minute": 19}
